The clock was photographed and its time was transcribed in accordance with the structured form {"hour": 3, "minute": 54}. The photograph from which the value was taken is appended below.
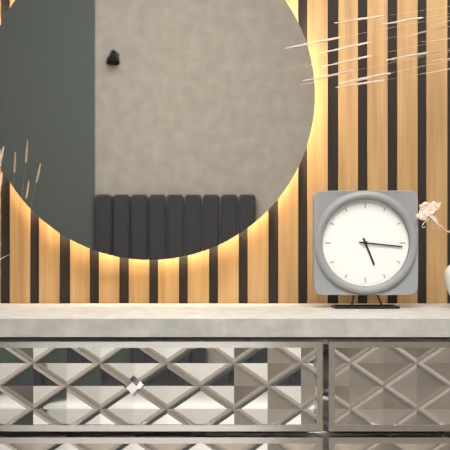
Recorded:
{"hour": 5, "minute": 16}
